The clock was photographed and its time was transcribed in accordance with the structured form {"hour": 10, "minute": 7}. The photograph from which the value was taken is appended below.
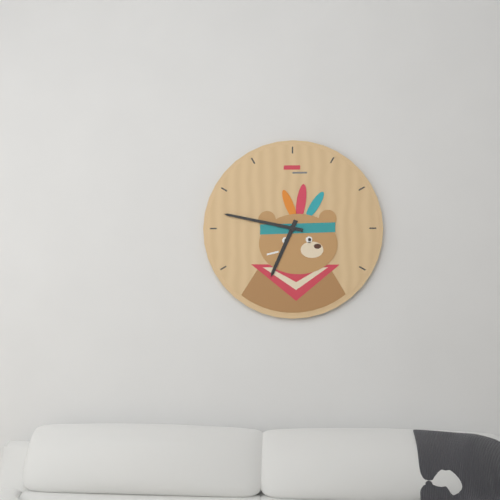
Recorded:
{"hour": 6, "minute": 47}
